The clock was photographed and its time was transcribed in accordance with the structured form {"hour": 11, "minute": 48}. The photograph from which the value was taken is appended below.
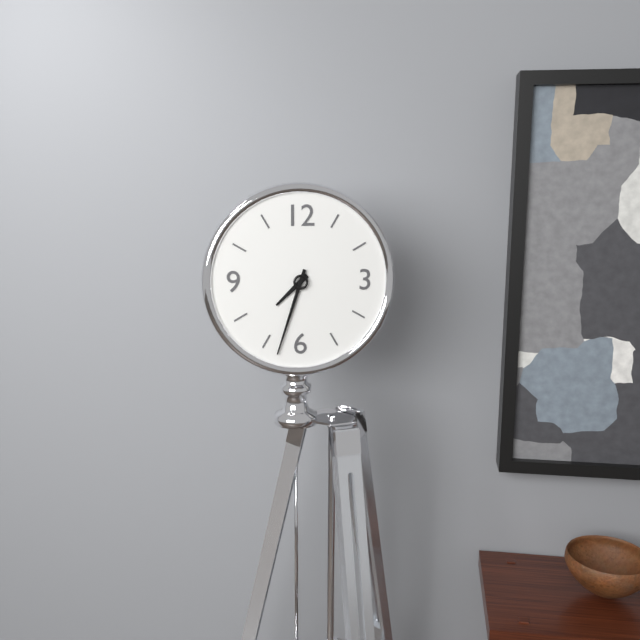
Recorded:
{"hour": 7, "minute": 33}
